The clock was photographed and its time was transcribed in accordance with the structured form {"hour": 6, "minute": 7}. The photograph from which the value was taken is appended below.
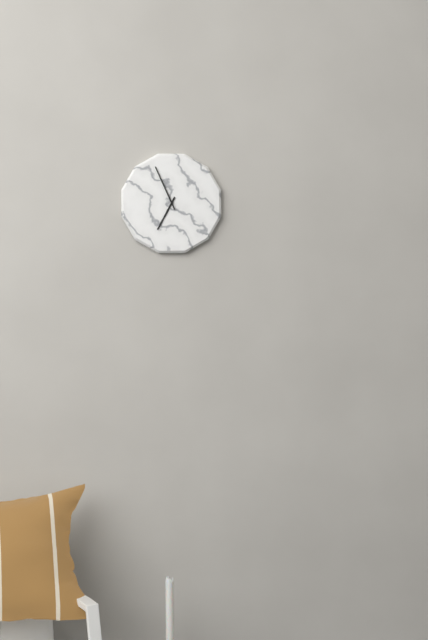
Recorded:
{"hour": 6, "minute": 56}
